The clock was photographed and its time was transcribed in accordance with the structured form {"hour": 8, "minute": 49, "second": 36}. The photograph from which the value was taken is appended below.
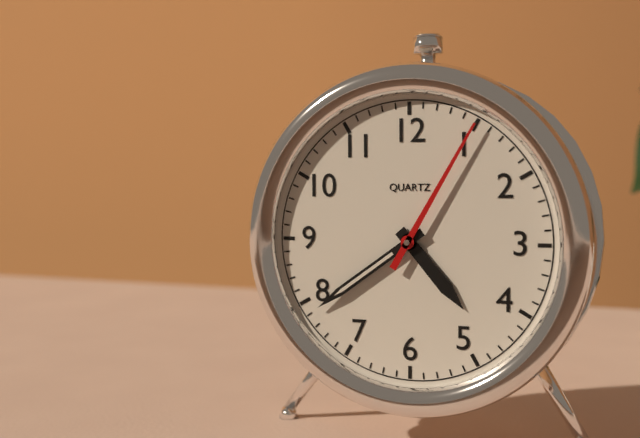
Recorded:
{"hour": 4, "minute": 39, "second": 5}
